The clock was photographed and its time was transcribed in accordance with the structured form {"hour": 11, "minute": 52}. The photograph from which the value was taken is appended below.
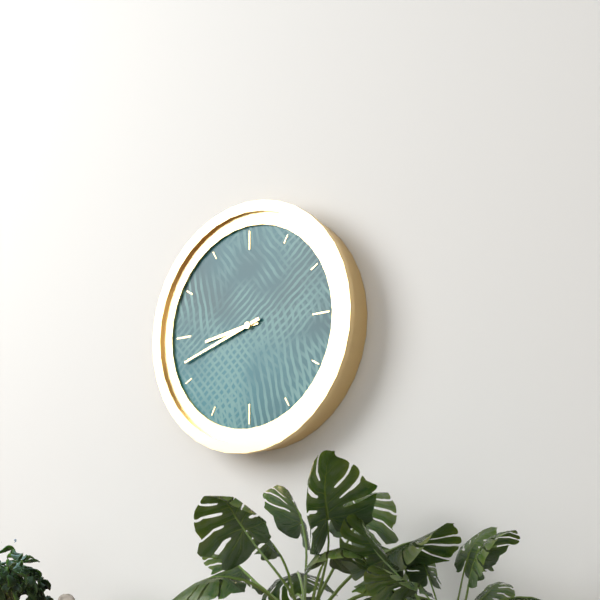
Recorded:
{"hour": 8, "minute": 42}
